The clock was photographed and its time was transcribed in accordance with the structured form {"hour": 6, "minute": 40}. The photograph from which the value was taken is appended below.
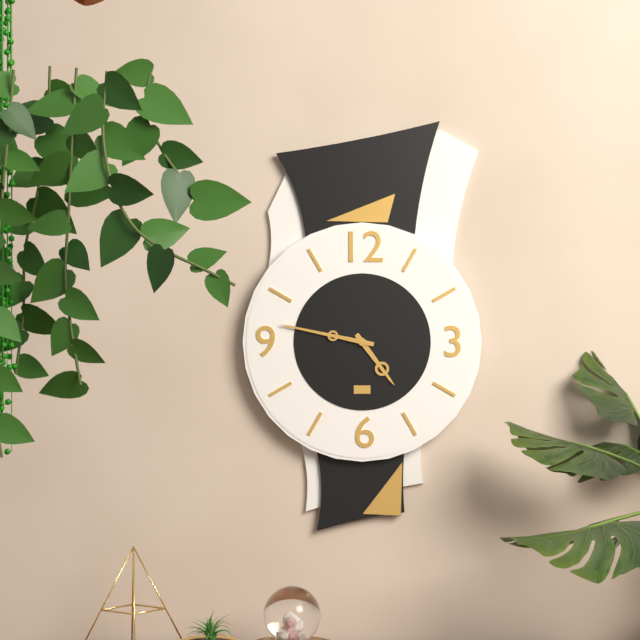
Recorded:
{"hour": 4, "minute": 47}
